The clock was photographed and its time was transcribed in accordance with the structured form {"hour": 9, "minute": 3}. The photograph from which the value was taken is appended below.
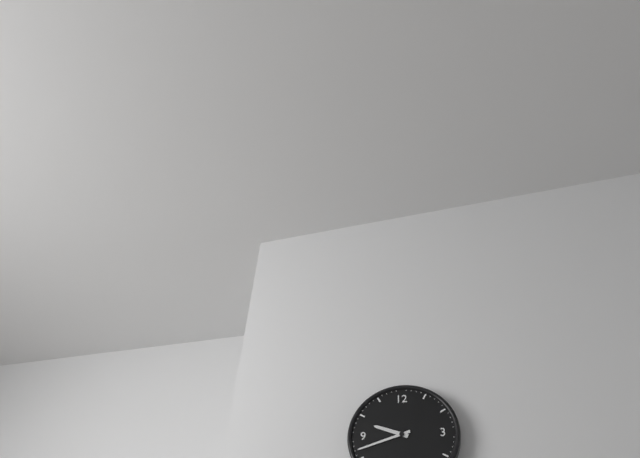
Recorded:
{"hour": 9, "minute": 42}
